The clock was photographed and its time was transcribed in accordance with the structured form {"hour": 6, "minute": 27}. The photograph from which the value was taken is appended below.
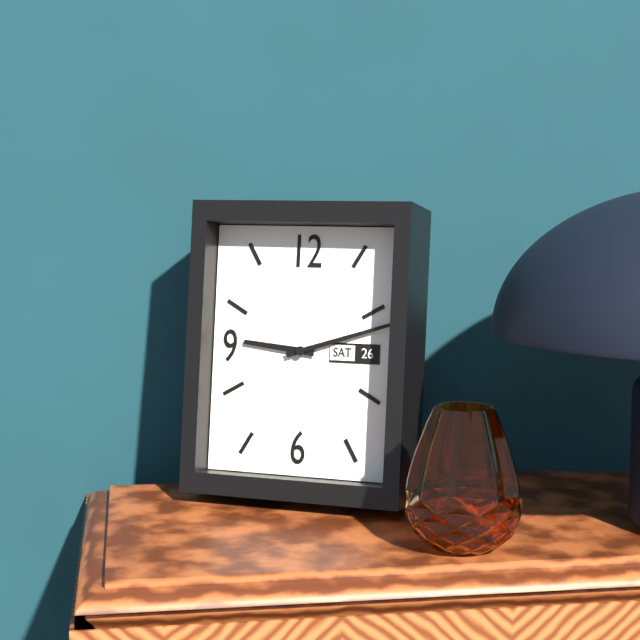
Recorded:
{"hour": 9, "minute": 12}
